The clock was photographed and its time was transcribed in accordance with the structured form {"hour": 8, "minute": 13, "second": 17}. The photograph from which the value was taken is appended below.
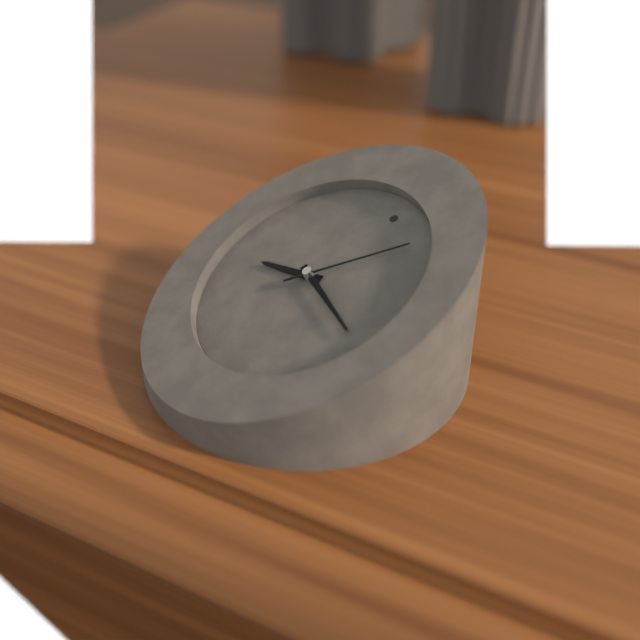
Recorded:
{"hour": 8, "minute": 16, "second": 5}
